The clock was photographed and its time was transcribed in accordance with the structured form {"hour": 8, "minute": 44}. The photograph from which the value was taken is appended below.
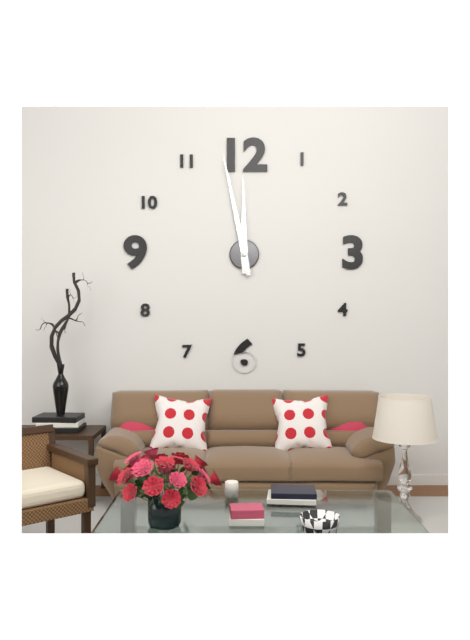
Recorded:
{"hour": 11, "minute": 58}
